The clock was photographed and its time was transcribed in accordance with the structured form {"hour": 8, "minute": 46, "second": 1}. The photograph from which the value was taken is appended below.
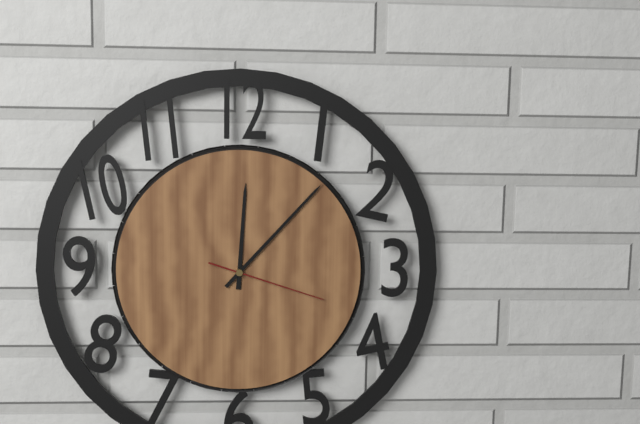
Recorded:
{"hour": 12, "minute": 7, "second": 18}
